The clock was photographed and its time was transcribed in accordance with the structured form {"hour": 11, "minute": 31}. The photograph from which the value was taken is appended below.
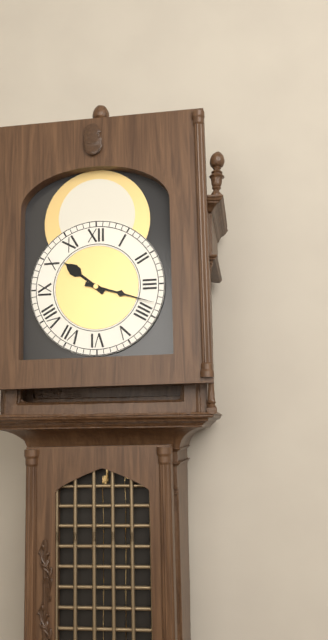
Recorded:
{"hour": 10, "minute": 18}
